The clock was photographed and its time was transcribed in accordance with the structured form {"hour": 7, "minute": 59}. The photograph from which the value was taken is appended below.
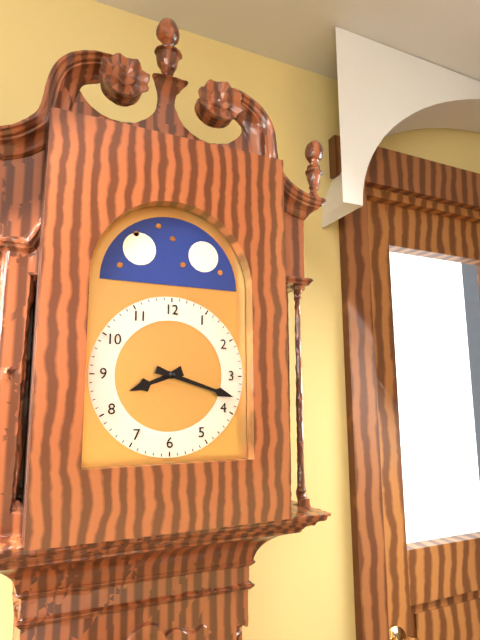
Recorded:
{"hour": 8, "minute": 18}
